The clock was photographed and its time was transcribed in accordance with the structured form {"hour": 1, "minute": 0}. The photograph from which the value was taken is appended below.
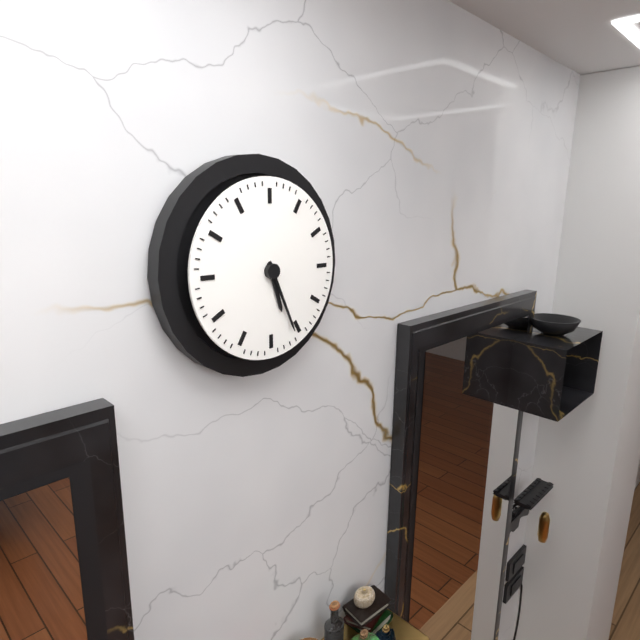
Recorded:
{"hour": 5, "minute": 26}
